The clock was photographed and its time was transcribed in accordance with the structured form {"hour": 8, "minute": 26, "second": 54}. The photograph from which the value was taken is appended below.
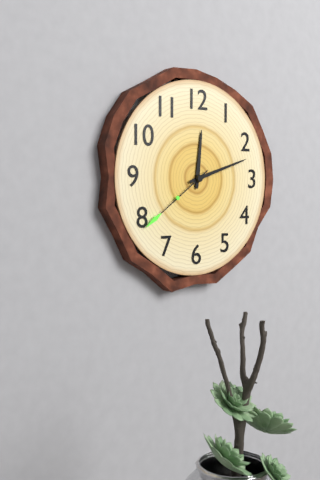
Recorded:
{"hour": 12, "minute": 12, "second": 39}
